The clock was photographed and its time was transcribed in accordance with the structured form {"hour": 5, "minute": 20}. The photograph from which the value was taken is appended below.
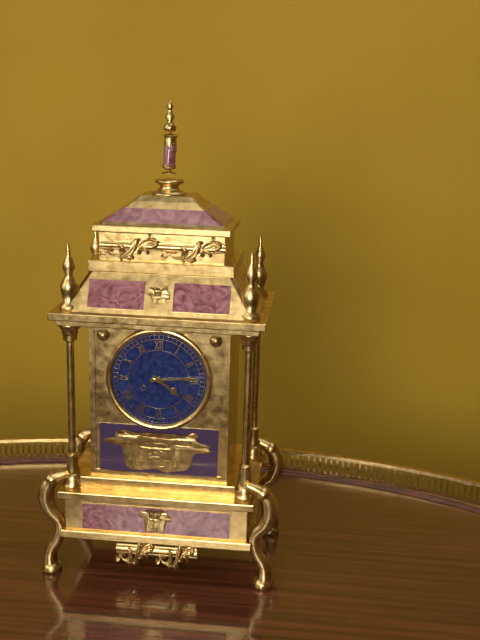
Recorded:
{"hour": 4, "minute": 14}
